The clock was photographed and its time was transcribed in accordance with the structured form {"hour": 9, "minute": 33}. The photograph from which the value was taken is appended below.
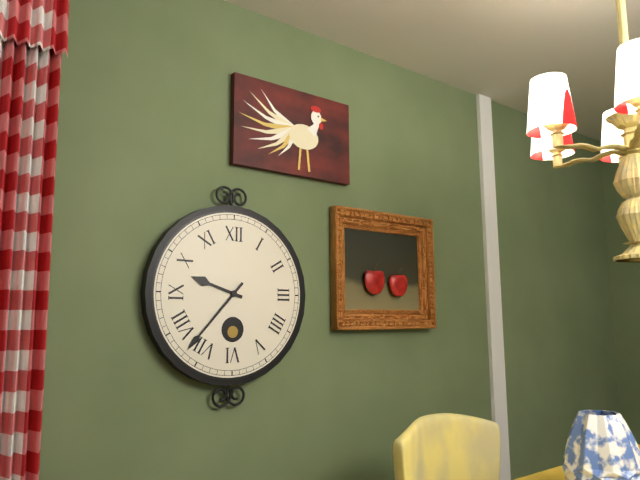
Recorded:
{"hour": 9, "minute": 37}
